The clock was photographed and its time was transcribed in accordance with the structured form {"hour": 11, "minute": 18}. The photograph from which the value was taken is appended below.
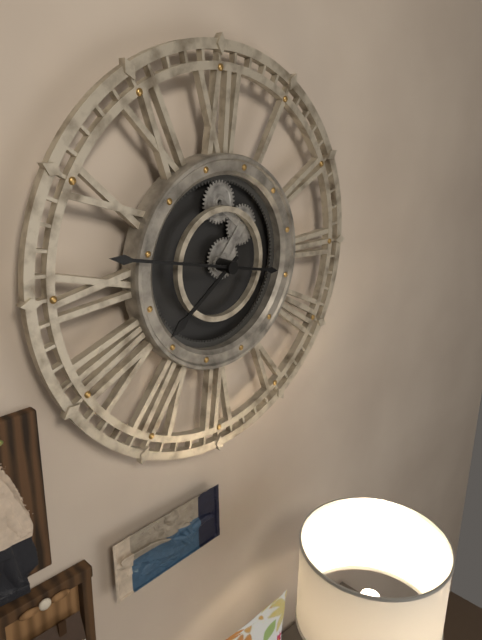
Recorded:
{"hour": 7, "minute": 47}
